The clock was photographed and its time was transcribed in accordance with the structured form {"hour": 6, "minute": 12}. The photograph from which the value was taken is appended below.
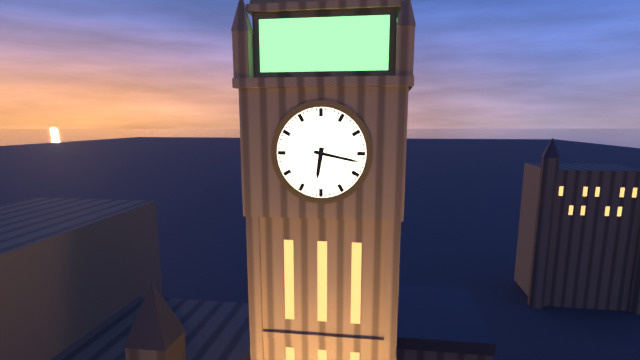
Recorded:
{"hour": 6, "minute": 17}
